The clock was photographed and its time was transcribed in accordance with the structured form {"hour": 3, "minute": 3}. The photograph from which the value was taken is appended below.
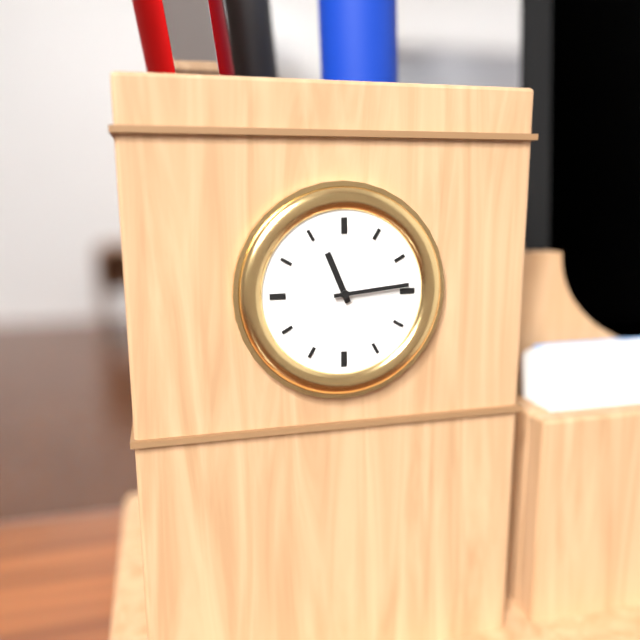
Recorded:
{"hour": 11, "minute": 14}
